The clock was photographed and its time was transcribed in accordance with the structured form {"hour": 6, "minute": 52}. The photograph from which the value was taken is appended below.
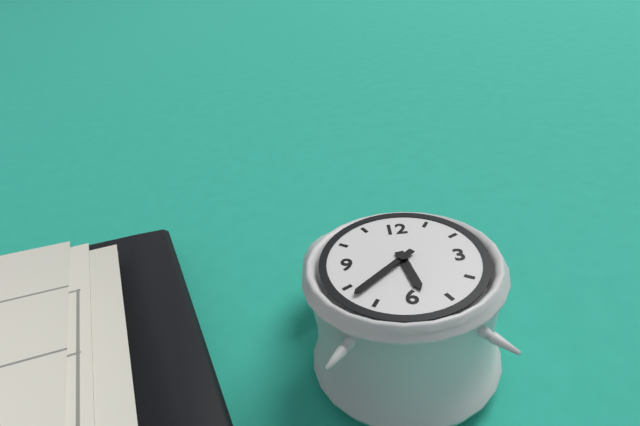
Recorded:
{"hour": 5, "minute": 38}
